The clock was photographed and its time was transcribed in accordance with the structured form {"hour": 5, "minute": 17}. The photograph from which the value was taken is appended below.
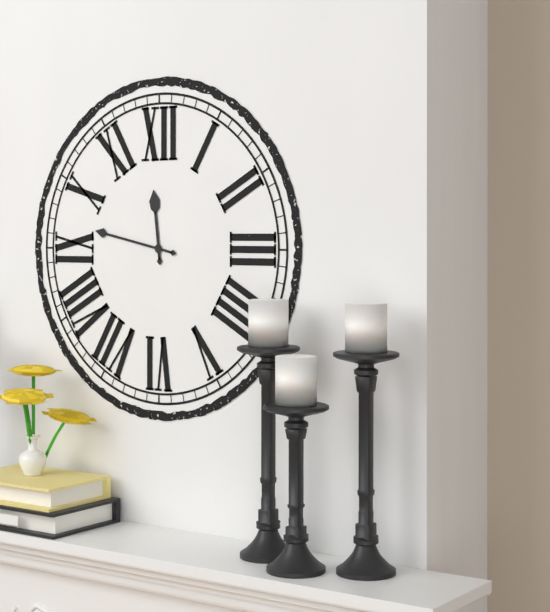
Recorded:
{"hour": 11, "minute": 47}
